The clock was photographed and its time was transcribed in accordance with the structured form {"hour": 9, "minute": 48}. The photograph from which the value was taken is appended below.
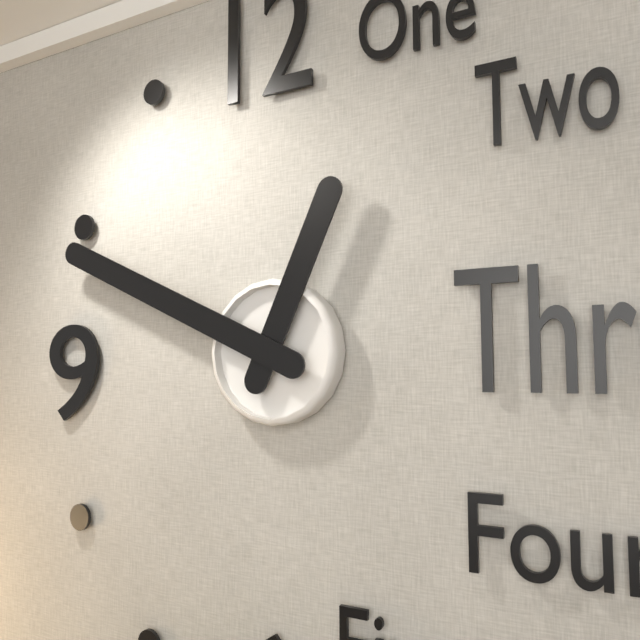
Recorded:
{"hour": 12, "minute": 49}
